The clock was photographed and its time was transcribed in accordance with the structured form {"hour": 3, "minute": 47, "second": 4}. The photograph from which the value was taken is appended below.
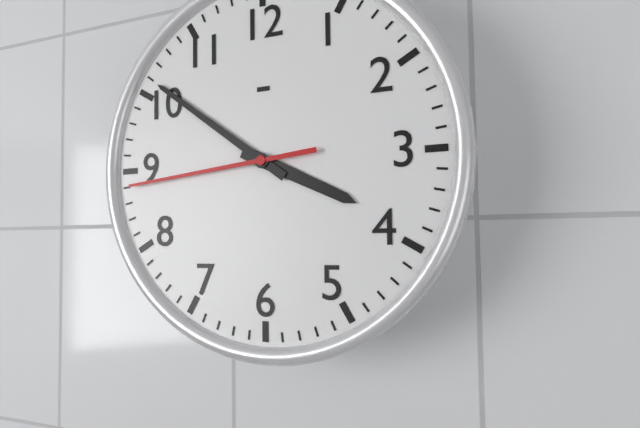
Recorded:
{"hour": 3, "minute": 51, "second": 44}
